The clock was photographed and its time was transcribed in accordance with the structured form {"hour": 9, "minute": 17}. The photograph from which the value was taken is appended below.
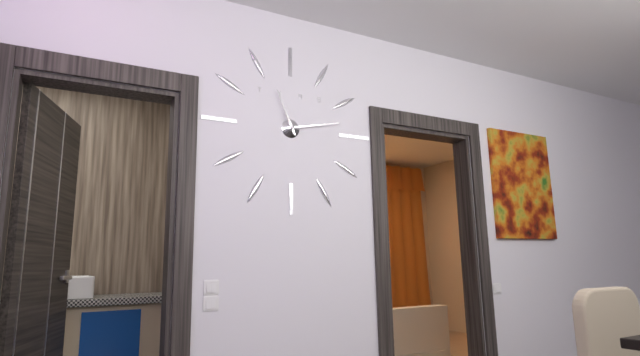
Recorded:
{"hour": 11, "minute": 13}
